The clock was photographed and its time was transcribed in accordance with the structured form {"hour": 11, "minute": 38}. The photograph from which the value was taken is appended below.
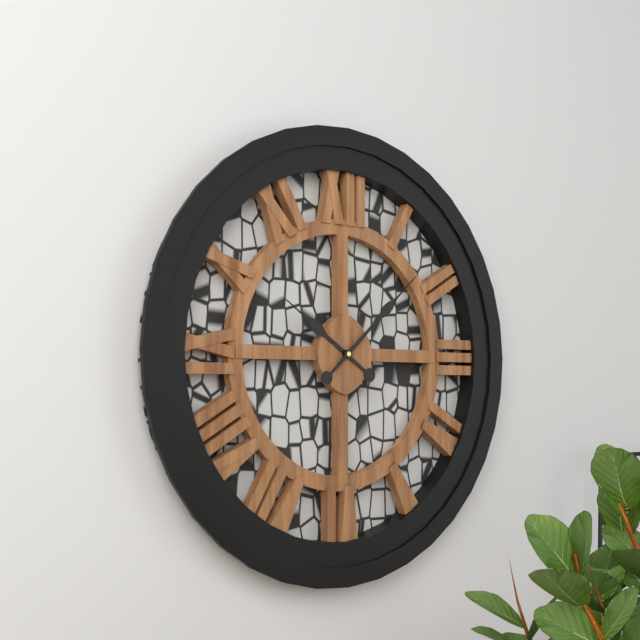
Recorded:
{"hour": 10, "minute": 8}
